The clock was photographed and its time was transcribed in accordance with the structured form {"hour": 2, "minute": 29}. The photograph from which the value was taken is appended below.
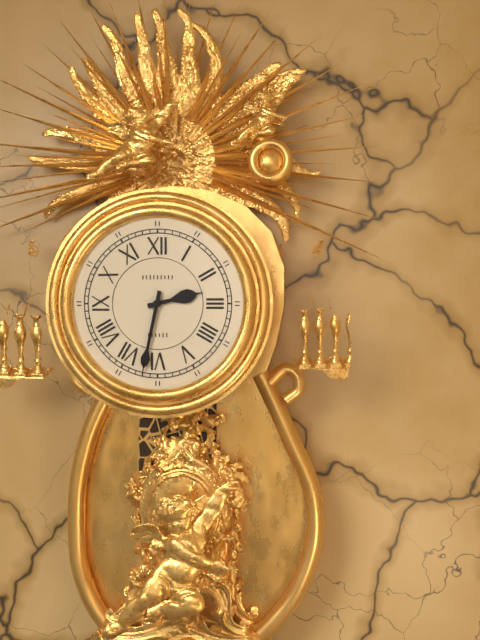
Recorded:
{"hour": 2, "minute": 32}
